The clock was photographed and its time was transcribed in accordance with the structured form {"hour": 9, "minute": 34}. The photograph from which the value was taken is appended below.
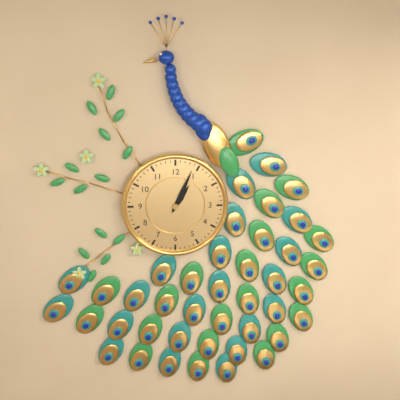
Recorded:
{"hour": 1, "minute": 4}
